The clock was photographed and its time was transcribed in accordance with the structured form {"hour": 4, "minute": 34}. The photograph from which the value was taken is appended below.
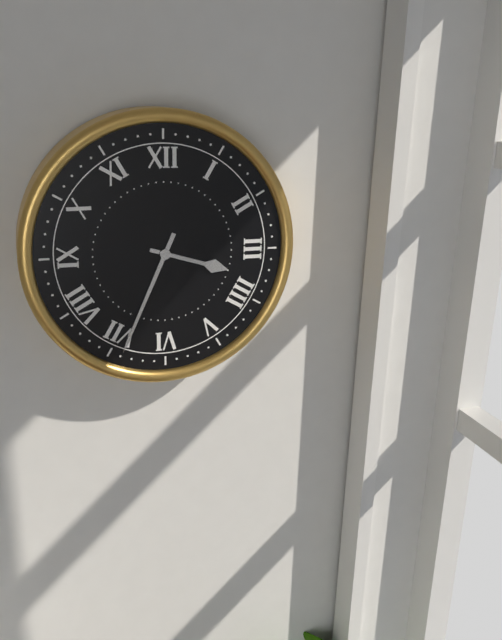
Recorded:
{"hour": 3, "minute": 34}
